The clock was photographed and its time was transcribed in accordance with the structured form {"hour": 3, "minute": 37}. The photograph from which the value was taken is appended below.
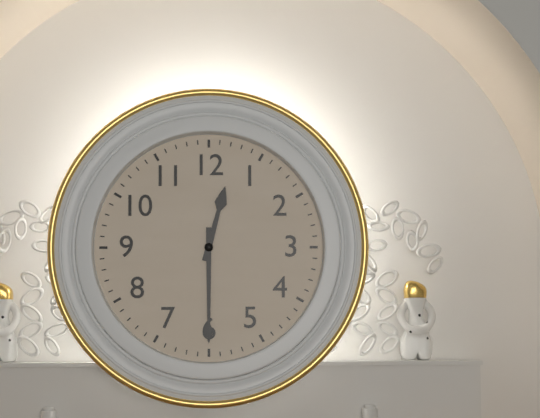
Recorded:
{"hour": 12, "minute": 30}
